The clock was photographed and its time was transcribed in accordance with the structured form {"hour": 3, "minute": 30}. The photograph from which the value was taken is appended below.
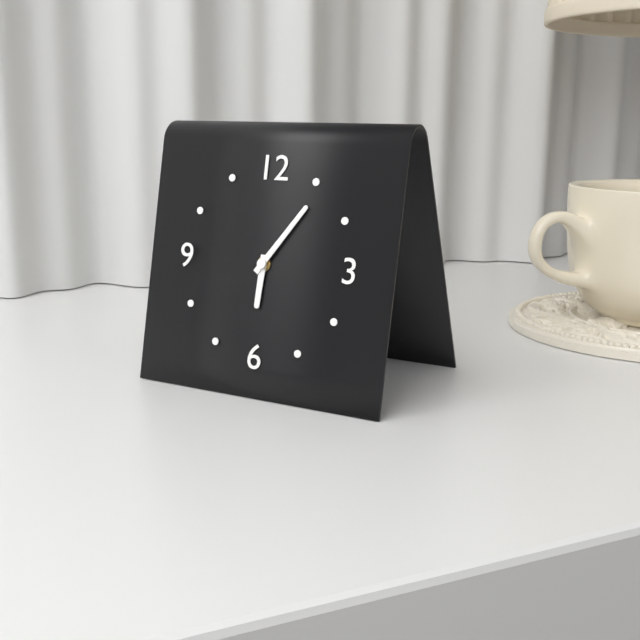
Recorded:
{"hour": 6, "minute": 6}
